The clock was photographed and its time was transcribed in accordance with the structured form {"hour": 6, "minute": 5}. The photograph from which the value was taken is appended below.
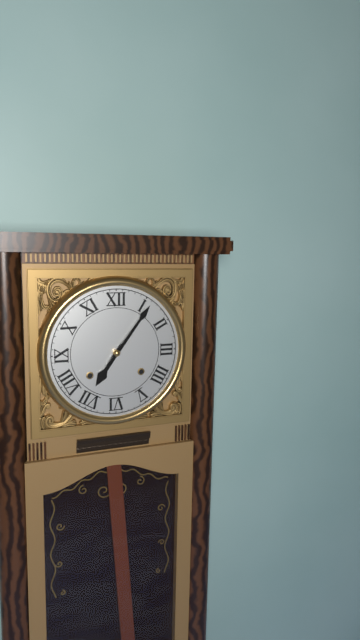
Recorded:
{"hour": 7, "minute": 6}
